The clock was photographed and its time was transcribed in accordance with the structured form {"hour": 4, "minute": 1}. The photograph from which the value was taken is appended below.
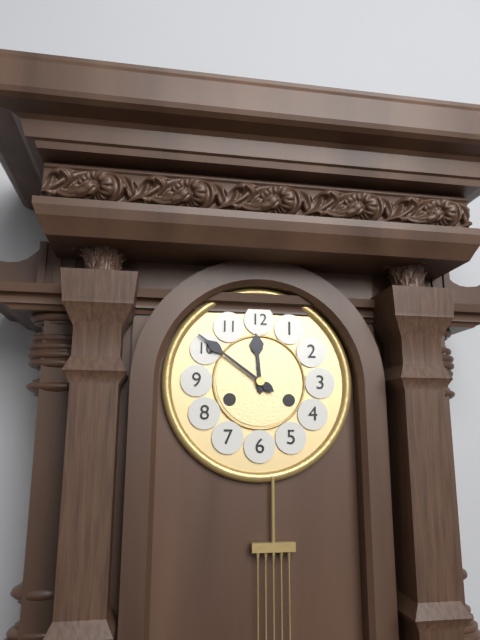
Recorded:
{"hour": 11, "minute": 51}
